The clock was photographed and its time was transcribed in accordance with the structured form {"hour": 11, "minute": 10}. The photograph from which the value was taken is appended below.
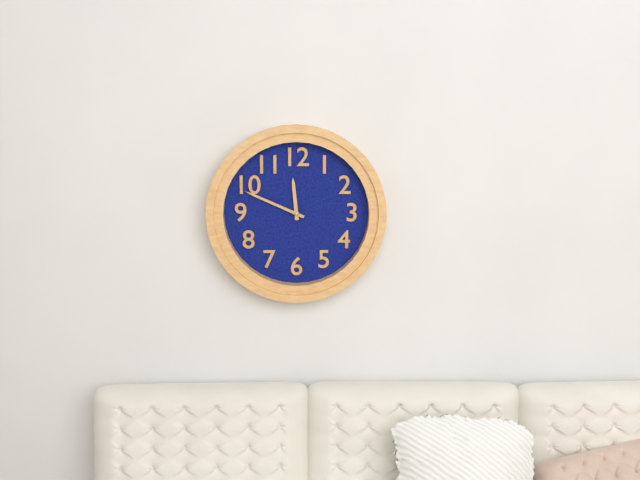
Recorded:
{"hour": 11, "minute": 49}
